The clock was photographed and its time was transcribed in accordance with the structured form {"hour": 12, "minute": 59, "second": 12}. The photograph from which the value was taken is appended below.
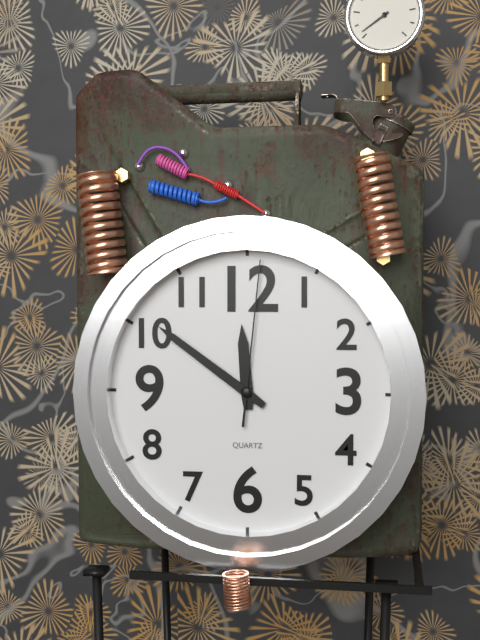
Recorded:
{"hour": 11, "minute": 51, "second": 1}
